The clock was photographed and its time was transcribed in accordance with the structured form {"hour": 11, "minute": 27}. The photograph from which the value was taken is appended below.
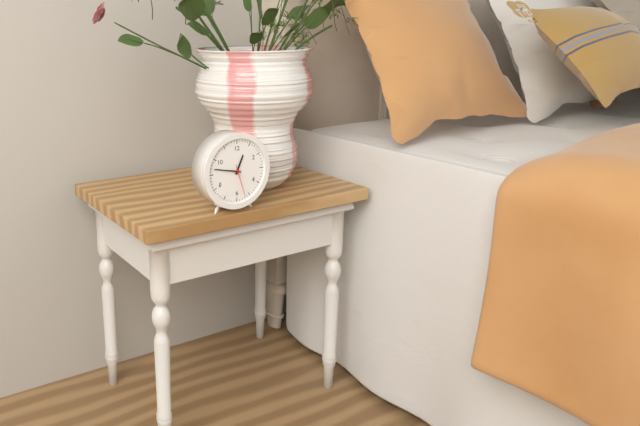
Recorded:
{"hour": 12, "minute": 47}
